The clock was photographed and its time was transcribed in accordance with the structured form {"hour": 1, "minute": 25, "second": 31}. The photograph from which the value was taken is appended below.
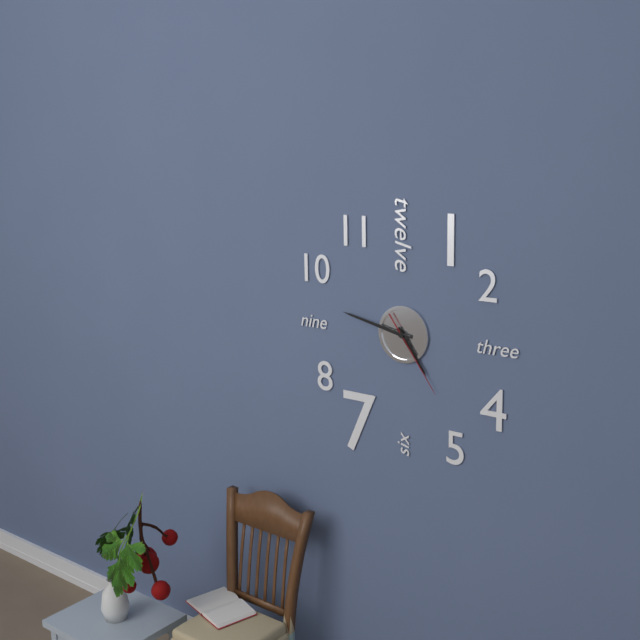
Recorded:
{"hour": 4, "minute": 47, "second": 24}
